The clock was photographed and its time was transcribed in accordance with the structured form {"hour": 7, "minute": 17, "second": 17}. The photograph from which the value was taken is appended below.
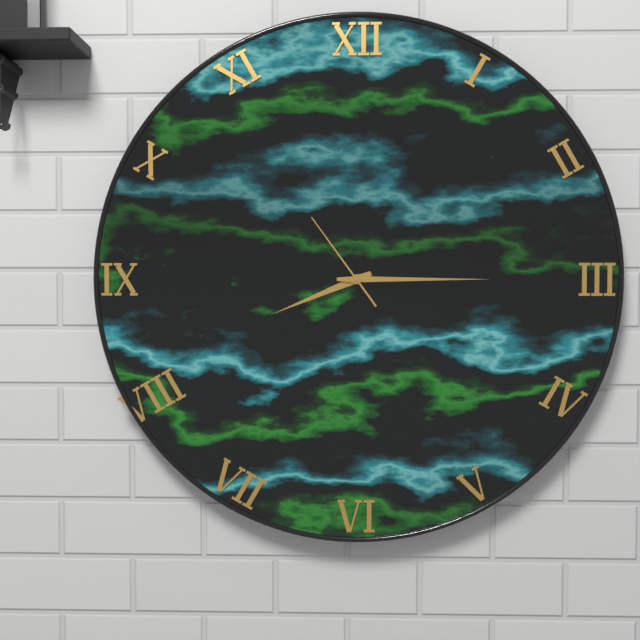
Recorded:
{"hour": 8, "minute": 15, "second": 54}
